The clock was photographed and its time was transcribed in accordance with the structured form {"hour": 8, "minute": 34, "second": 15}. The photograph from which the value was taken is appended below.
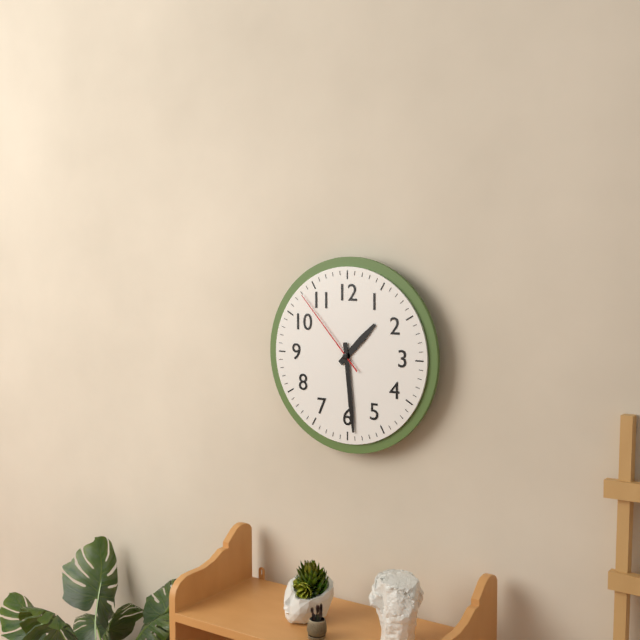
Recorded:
{"hour": 1, "minute": 29, "second": 53}
